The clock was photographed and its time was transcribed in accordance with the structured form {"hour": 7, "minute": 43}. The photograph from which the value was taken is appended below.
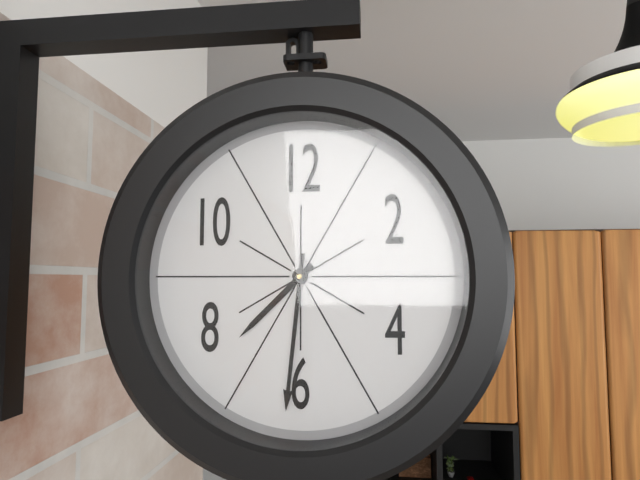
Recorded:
{"hour": 7, "minute": 31}
